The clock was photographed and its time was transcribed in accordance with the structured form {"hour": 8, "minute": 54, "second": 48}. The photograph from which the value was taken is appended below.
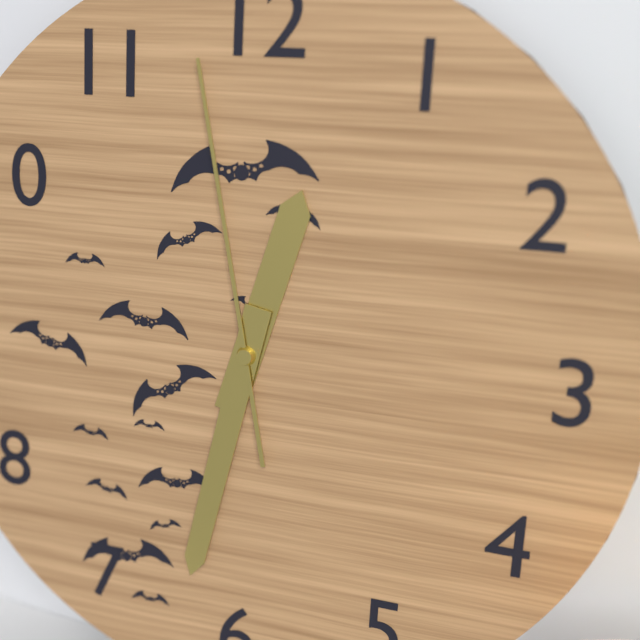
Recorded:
{"hour": 12, "minute": 32, "second": 58}
